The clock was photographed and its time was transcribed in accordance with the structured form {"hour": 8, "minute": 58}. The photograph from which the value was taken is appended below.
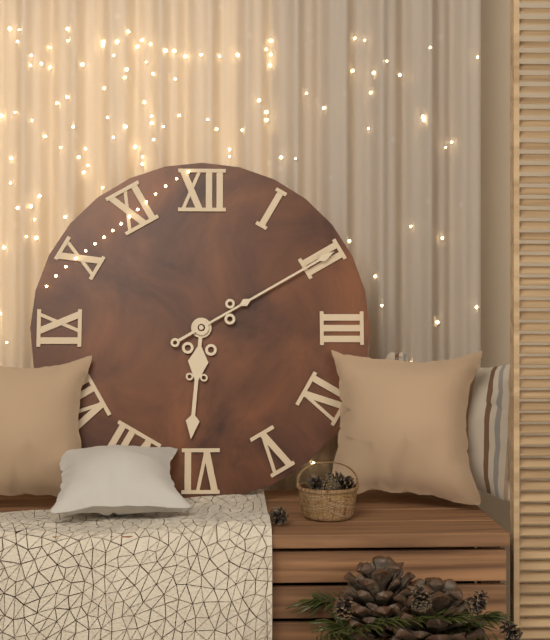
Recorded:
{"hour": 6, "minute": 10}
